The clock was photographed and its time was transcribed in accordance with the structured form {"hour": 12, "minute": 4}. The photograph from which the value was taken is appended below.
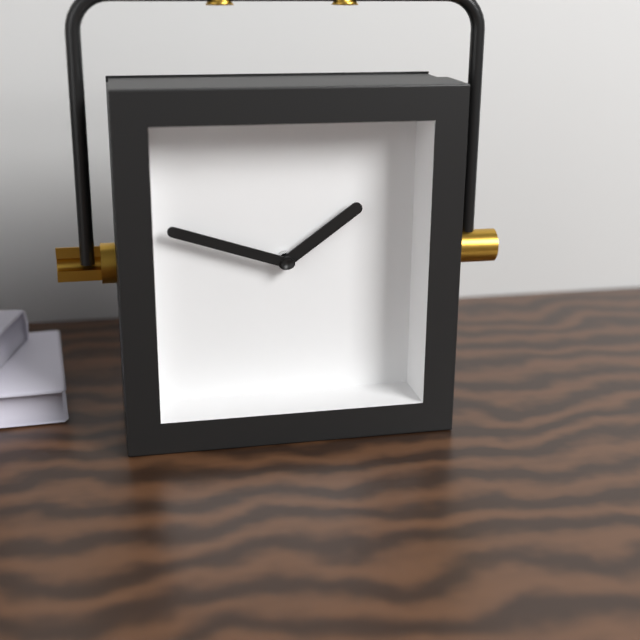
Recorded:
{"hour": 1, "minute": 48}
